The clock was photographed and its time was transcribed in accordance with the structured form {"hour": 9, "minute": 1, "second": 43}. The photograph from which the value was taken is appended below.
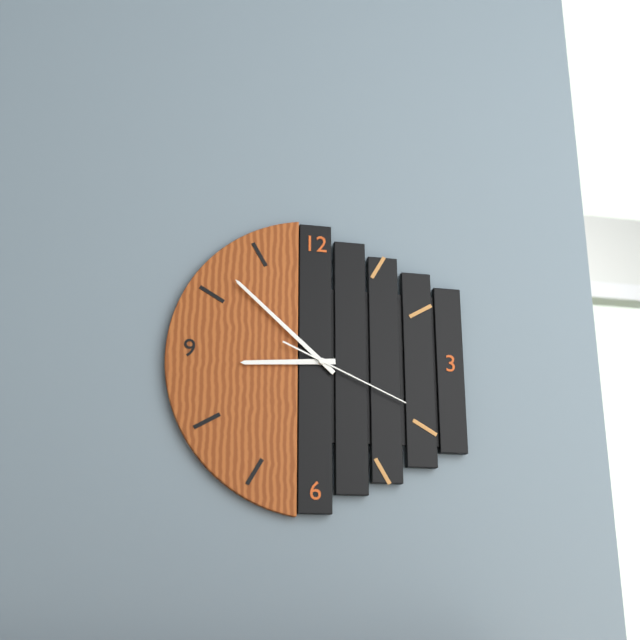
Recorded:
{"hour": 8, "minute": 52, "second": 19}
